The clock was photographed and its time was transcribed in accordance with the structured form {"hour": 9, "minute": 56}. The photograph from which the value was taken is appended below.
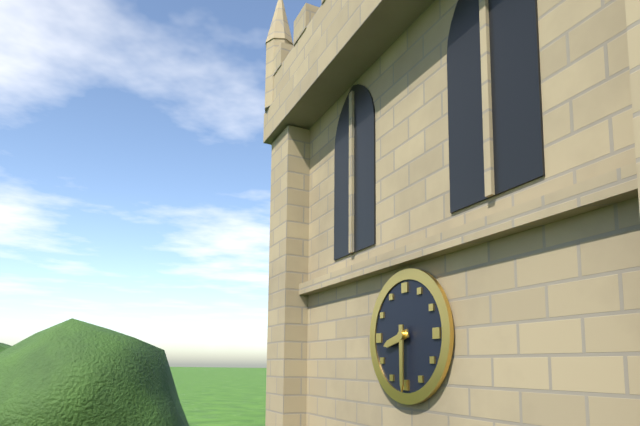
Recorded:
{"hour": 8, "minute": 30}
